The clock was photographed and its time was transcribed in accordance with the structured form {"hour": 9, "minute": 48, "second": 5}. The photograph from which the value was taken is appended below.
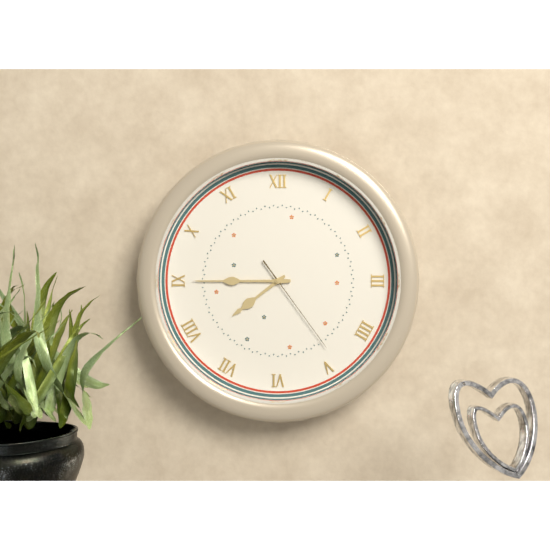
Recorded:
{"hour": 7, "minute": 45, "second": 24}
